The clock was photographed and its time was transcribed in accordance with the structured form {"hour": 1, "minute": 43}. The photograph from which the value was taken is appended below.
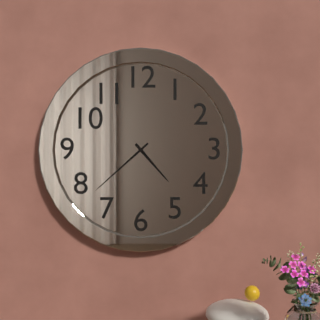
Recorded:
{"hour": 4, "minute": 38}
